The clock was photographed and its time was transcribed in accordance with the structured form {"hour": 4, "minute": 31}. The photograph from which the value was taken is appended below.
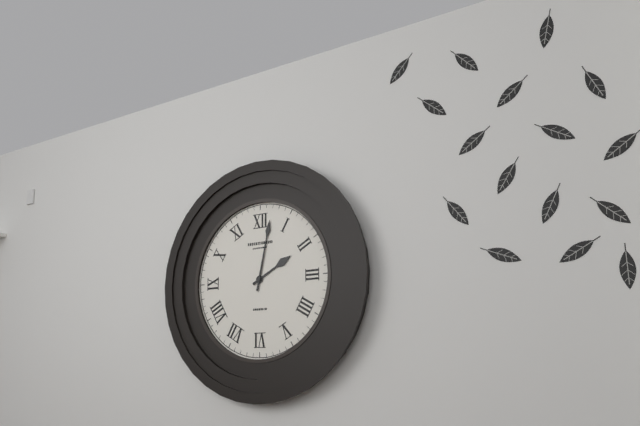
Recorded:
{"hour": 2, "minute": 2}
